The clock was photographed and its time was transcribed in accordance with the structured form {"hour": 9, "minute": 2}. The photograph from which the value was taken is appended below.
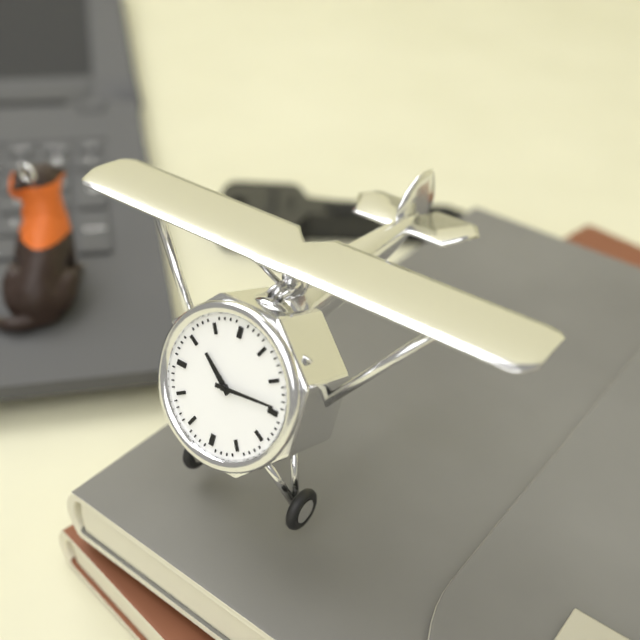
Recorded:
{"hour": 10, "minute": 14}
